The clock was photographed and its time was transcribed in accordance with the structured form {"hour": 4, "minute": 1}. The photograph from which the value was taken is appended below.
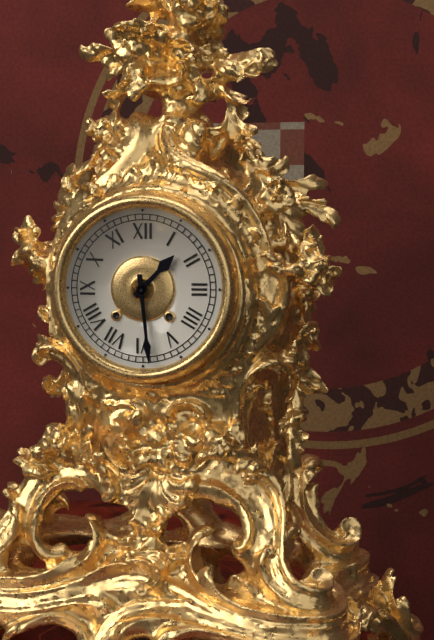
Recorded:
{"hour": 1, "minute": 29}
